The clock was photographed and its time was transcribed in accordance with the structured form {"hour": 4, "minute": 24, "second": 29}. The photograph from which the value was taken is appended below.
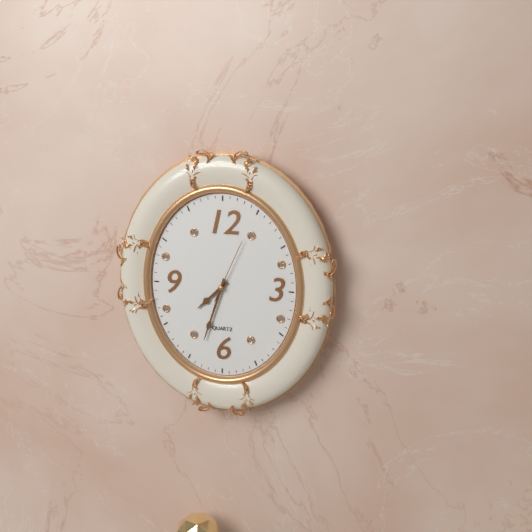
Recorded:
{"hour": 7, "minute": 33, "second": 4}
